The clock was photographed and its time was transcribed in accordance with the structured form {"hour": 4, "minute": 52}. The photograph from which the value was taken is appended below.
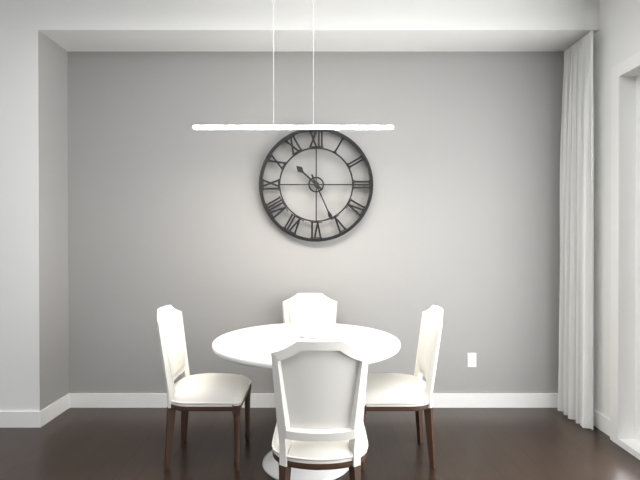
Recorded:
{"hour": 10, "minute": 26}
